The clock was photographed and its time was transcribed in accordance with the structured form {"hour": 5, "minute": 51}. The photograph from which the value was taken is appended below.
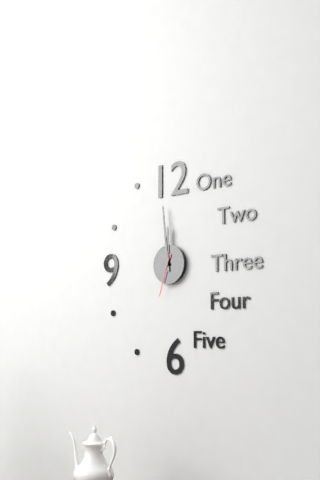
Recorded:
{"hour": 11, "minute": 59}
